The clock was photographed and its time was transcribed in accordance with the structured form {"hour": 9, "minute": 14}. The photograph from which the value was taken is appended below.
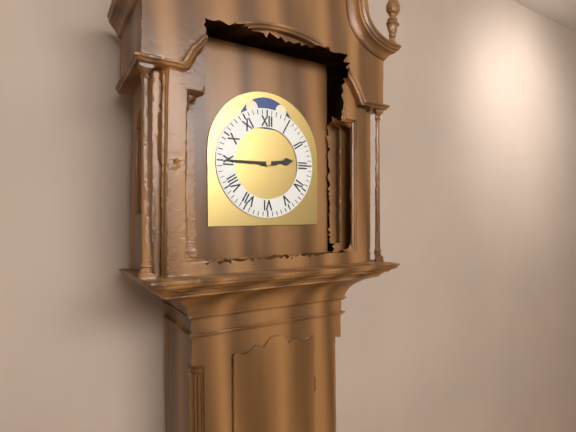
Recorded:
{"hour": 2, "minute": 45}
